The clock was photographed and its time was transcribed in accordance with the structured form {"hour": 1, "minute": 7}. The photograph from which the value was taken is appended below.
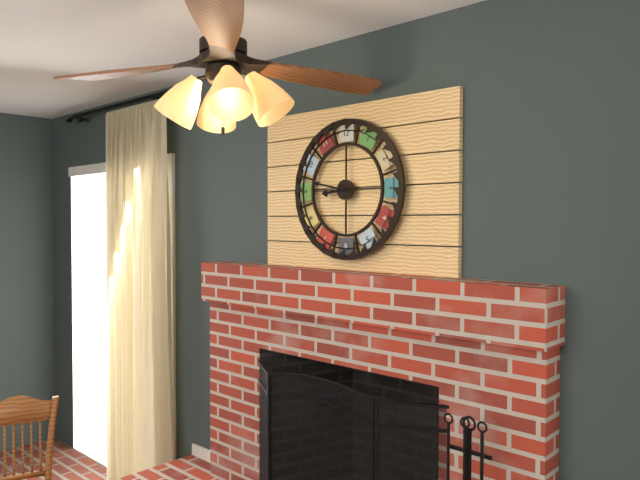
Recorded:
{"hour": 8, "minute": 47}
